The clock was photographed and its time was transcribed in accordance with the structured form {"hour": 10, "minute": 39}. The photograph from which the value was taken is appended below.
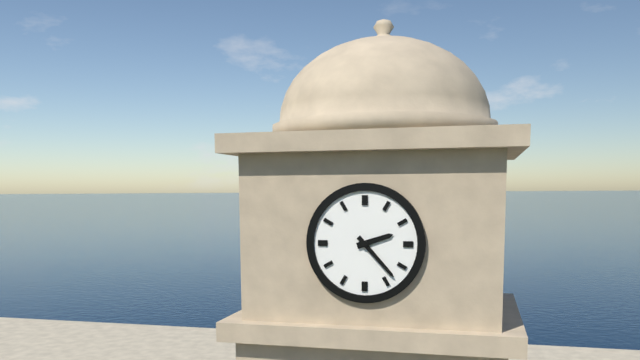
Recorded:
{"hour": 2, "minute": 23}
